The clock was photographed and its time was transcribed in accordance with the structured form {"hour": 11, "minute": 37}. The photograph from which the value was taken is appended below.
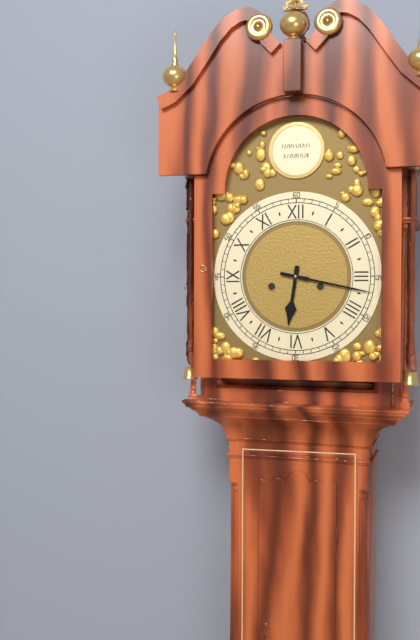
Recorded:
{"hour": 6, "minute": 17}
